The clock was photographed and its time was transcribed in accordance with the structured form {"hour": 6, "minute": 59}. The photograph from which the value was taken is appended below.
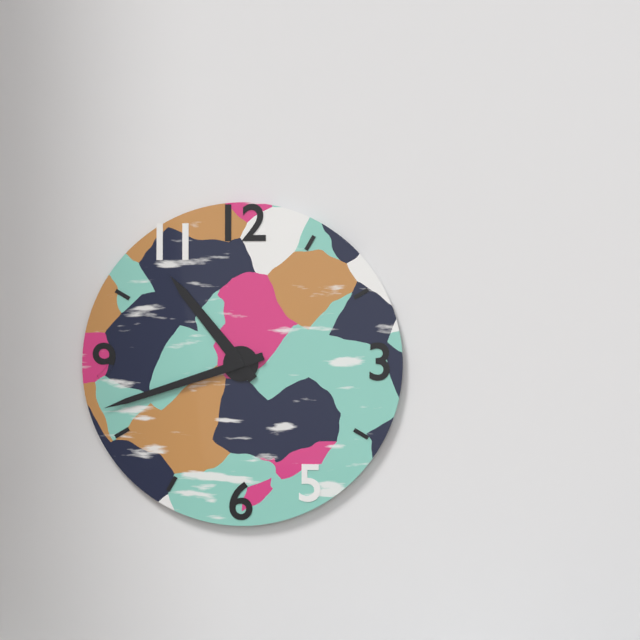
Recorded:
{"hour": 10, "minute": 42}
